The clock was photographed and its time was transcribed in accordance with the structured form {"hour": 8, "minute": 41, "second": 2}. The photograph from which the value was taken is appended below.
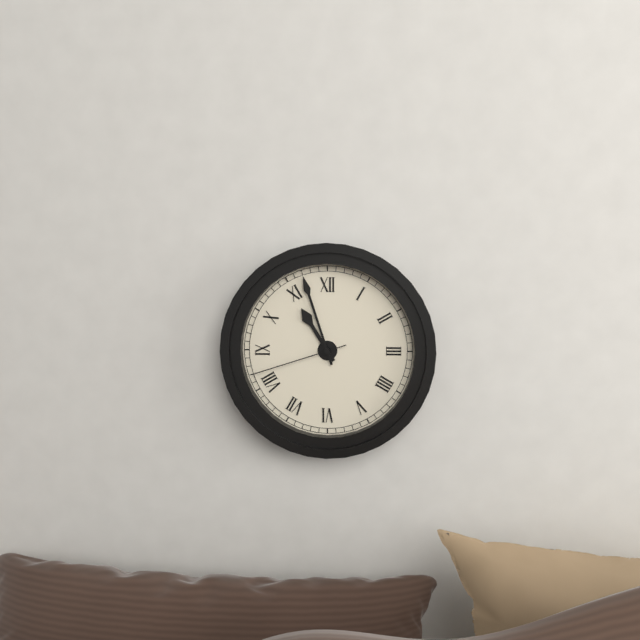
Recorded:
{"hour": 10, "minute": 57, "second": 42}
